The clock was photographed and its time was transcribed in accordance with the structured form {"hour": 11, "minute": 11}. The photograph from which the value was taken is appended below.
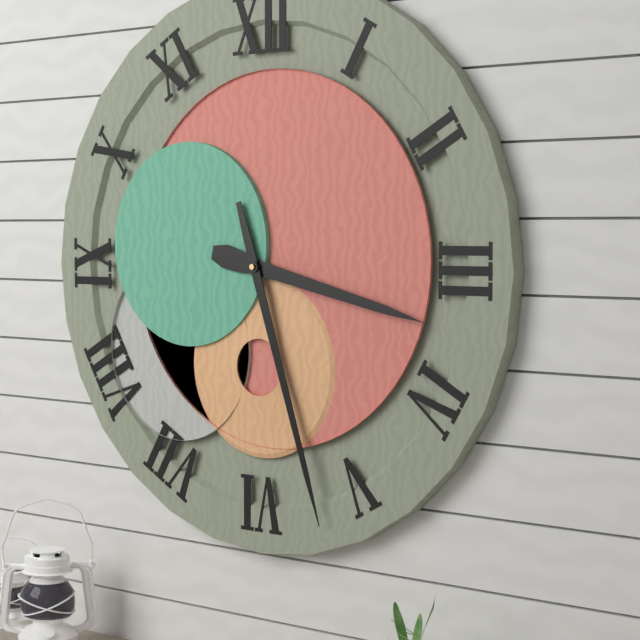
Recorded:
{"hour": 3, "minute": 27}
